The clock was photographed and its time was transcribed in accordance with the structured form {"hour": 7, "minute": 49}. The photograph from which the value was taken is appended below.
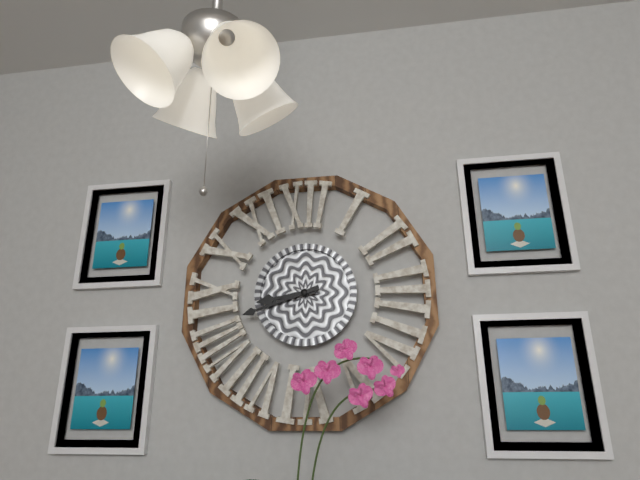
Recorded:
{"hour": 8, "minute": 42}
